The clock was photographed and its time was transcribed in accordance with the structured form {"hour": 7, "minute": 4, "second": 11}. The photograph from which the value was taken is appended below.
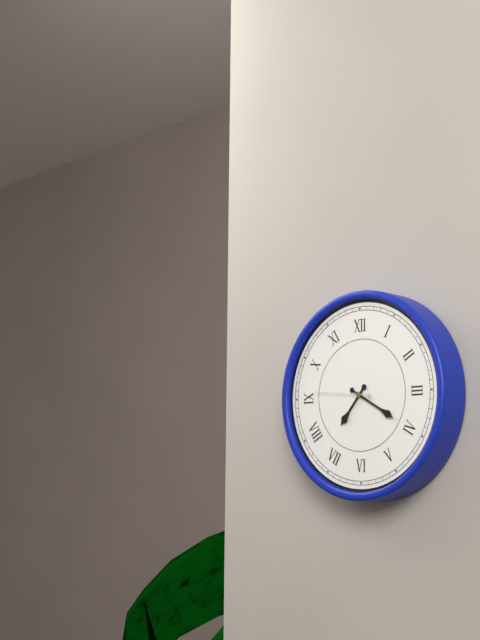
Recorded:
{"hour": 7, "minute": 20, "second": 46}
